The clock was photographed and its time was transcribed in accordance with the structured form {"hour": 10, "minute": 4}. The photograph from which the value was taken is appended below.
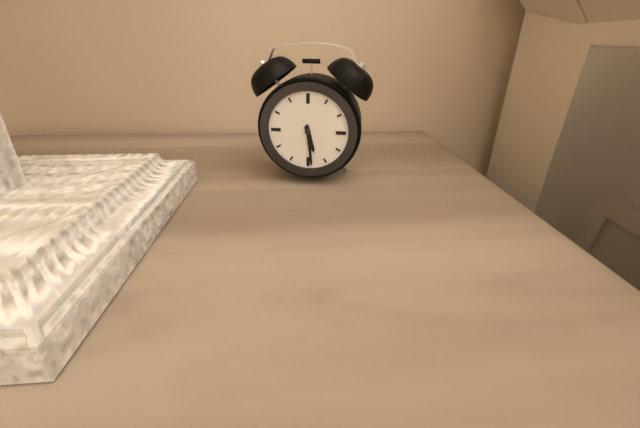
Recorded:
{"hour": 5, "minute": 29}
